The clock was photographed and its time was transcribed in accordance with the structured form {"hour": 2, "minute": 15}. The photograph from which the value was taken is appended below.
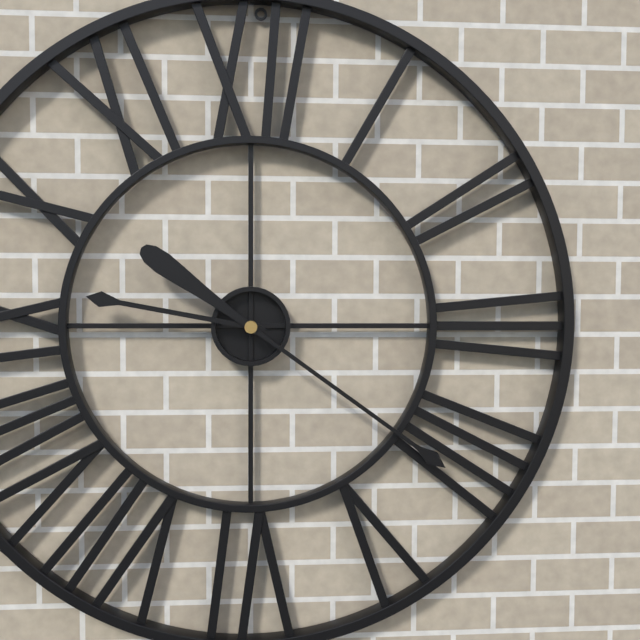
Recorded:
{"hour": 9, "minute": 21}
